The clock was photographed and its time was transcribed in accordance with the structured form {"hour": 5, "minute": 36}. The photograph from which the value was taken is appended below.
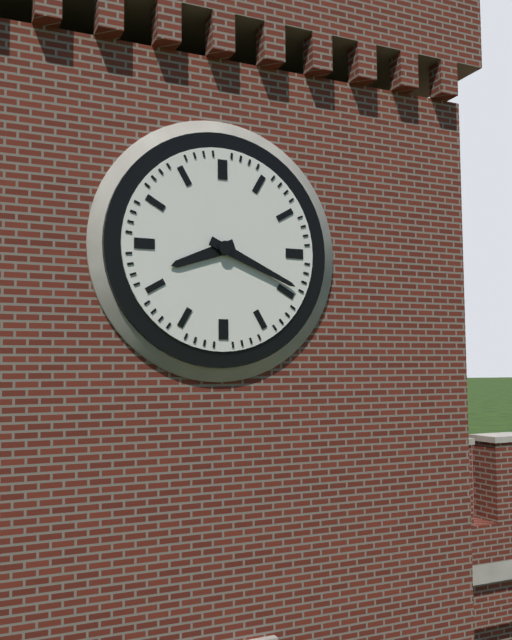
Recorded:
{"hour": 8, "minute": 19}
